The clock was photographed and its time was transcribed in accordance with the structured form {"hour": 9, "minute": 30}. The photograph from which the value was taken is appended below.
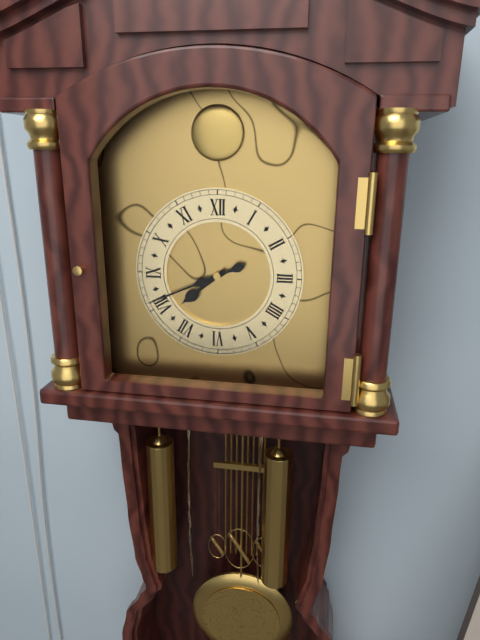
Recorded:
{"hour": 7, "minute": 41}
